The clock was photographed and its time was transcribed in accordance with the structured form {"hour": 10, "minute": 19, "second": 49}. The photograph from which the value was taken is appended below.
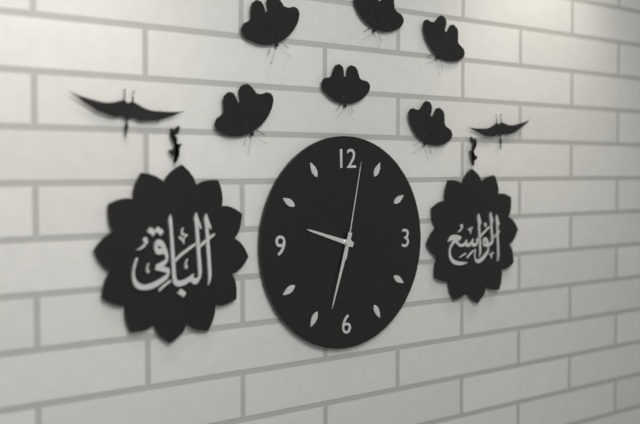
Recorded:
{"hour": 9, "minute": 33, "second": 2}
